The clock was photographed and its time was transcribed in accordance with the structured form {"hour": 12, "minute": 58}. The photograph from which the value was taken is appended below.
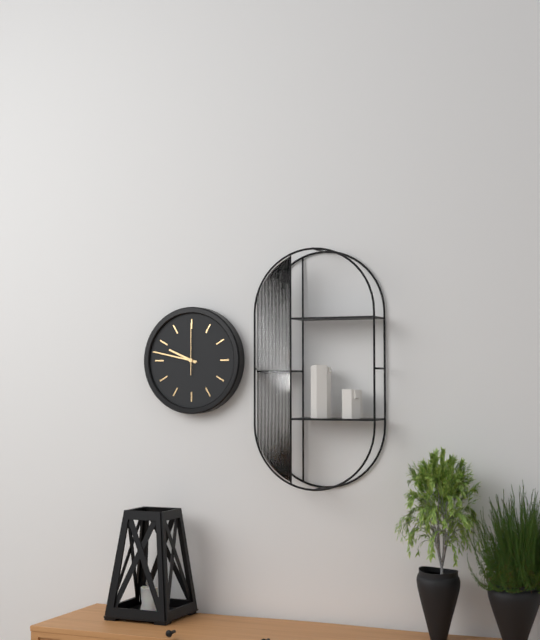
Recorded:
{"hour": 9, "minute": 47}
